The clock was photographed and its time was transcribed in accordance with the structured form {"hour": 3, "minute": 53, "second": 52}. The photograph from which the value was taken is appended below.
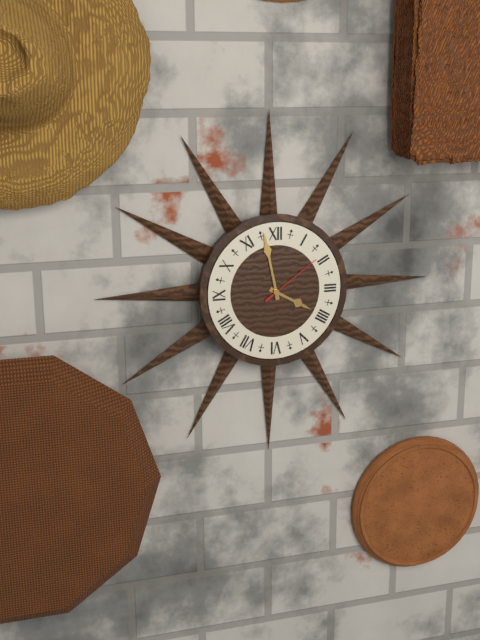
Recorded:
{"hour": 3, "minute": 58, "second": 9}
